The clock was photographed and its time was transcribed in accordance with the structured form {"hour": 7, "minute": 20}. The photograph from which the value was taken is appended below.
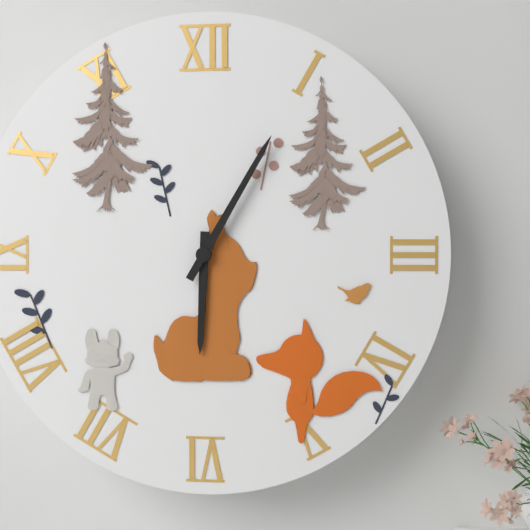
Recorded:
{"hour": 6, "minute": 5}
